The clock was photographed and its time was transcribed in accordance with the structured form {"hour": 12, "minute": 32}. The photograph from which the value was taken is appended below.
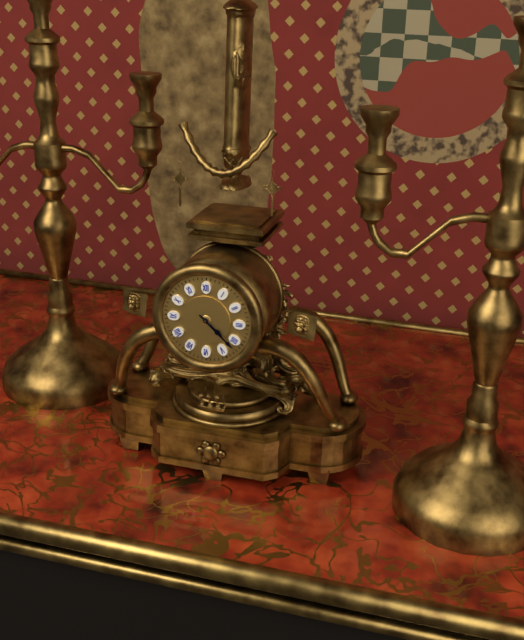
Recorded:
{"hour": 4, "minute": 22}
